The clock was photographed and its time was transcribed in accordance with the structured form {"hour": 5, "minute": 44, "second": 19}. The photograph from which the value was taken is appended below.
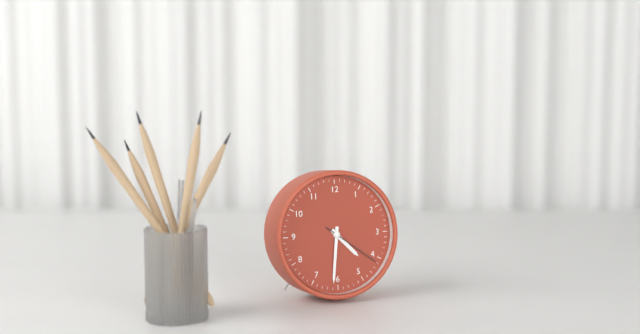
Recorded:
{"hour": 4, "minute": 31, "second": 21}
